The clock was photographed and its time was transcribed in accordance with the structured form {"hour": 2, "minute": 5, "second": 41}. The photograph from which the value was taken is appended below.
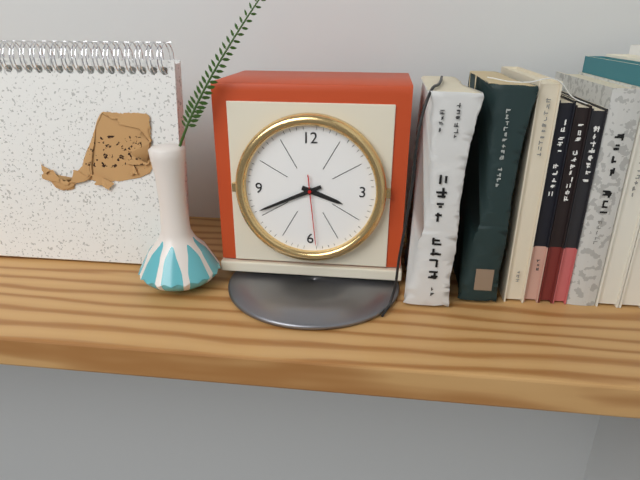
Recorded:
{"hour": 3, "minute": 41, "second": 29}
